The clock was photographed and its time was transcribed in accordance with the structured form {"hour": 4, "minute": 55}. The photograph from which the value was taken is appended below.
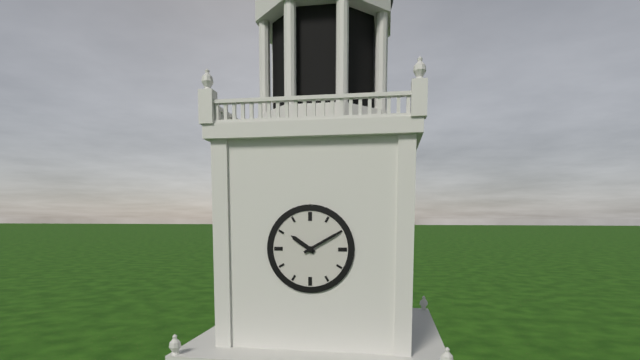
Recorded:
{"hour": 10, "minute": 10}
